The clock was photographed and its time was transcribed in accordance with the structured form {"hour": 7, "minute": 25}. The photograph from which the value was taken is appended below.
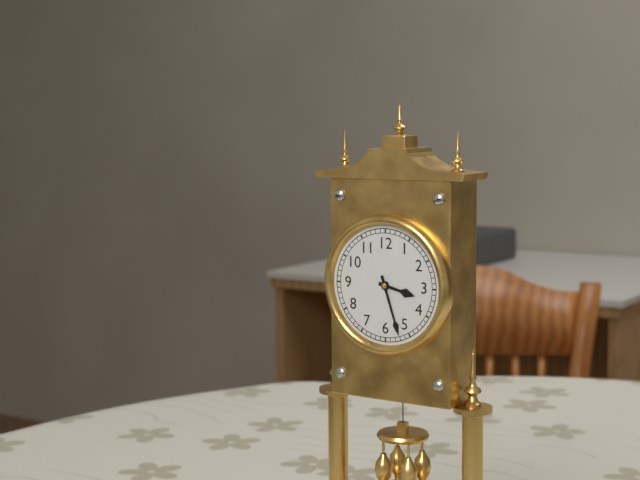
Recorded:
{"hour": 3, "minute": 27}
